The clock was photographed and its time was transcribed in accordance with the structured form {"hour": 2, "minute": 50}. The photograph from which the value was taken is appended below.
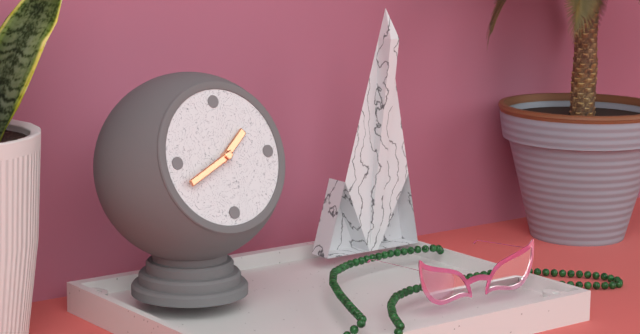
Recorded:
{"hour": 1, "minute": 41}
